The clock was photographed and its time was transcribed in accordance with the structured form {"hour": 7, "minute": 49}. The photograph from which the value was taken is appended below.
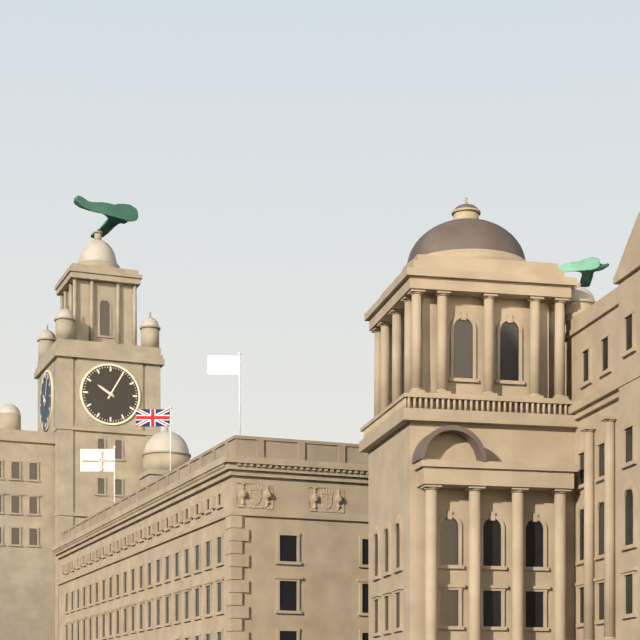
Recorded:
{"hour": 10, "minute": 5}
